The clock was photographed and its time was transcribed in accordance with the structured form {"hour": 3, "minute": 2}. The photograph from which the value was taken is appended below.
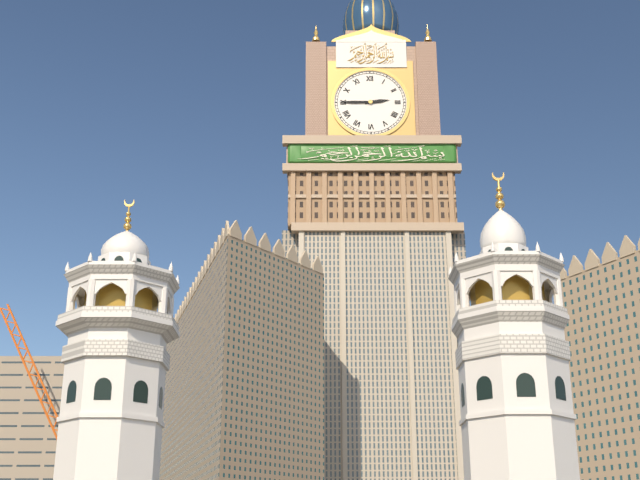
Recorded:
{"hour": 2, "minute": 45}
